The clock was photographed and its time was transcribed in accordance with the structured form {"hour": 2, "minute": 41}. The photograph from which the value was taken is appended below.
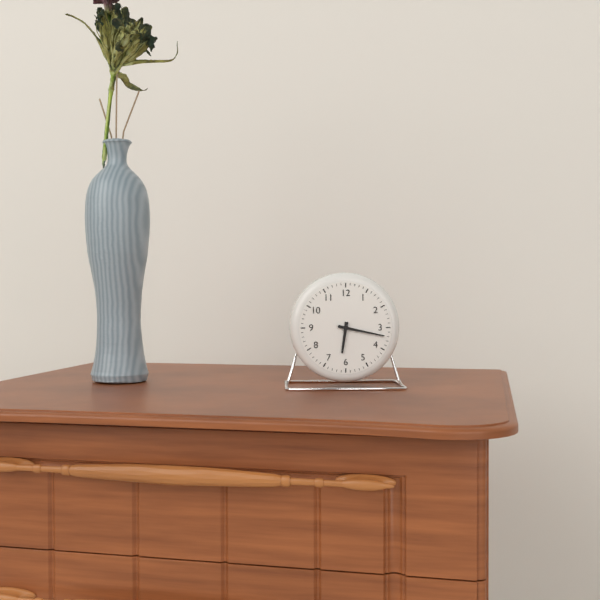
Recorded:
{"hour": 6, "minute": 17}
